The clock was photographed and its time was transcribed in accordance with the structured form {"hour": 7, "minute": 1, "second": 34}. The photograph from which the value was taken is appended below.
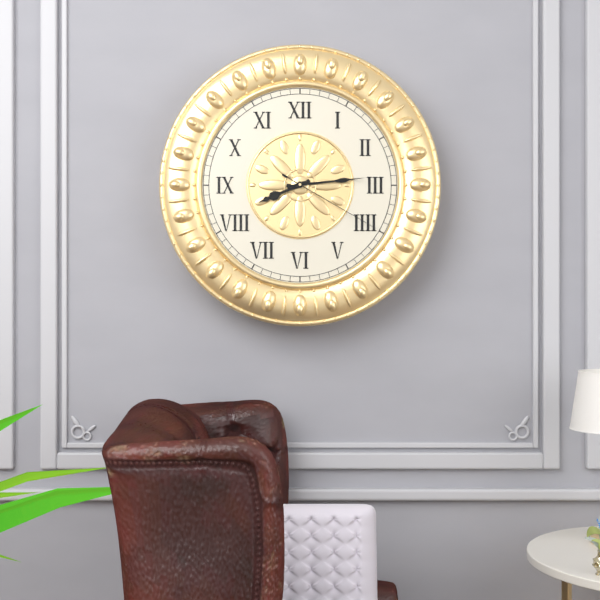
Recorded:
{"hour": 8, "minute": 14, "second": 20}
